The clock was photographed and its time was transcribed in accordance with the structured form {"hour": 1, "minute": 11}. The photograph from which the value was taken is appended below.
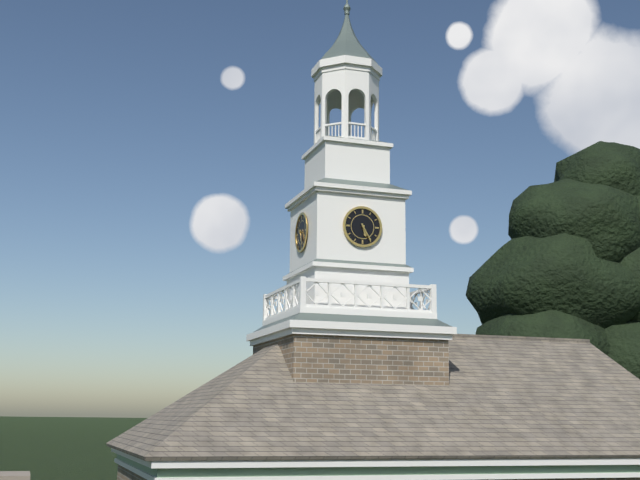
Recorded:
{"hour": 5, "minute": 25}
